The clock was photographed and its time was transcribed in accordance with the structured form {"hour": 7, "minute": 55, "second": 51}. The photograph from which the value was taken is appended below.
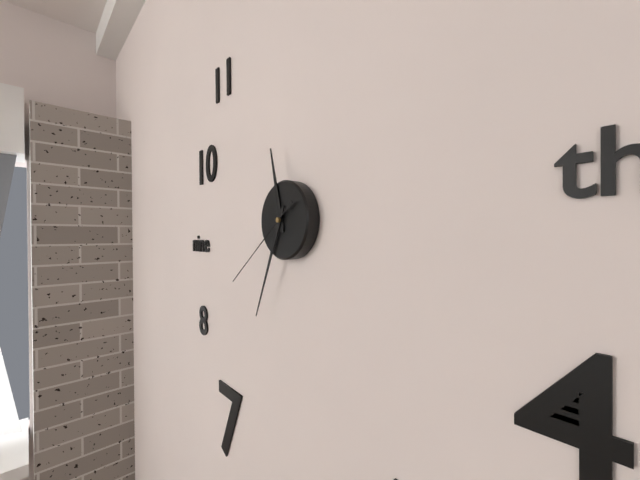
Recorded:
{"hour": 11, "minute": 34, "second": 39}
